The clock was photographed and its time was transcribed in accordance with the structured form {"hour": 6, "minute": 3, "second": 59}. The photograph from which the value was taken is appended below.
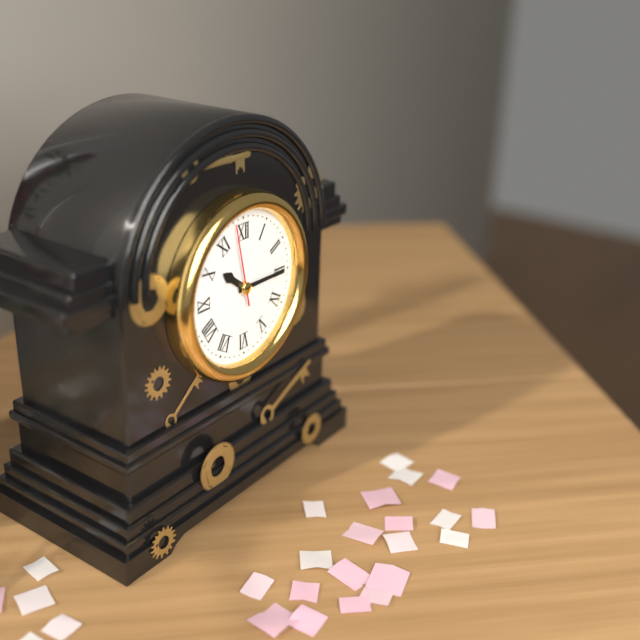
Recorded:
{"hour": 10, "minute": 15, "second": 58}
